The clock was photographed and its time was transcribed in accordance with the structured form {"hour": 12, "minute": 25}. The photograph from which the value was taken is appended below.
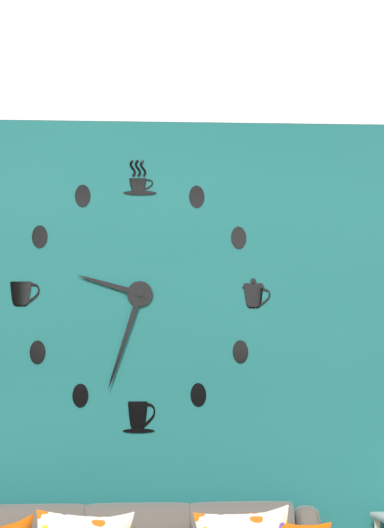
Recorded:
{"hour": 9, "minute": 33}
